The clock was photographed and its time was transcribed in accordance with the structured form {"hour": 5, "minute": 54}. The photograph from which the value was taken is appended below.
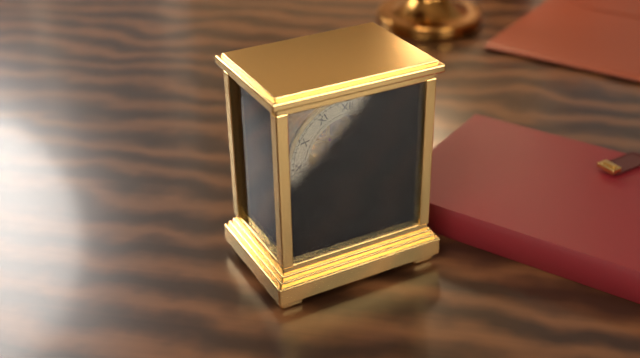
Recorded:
{"hour": 6, "minute": 20}
